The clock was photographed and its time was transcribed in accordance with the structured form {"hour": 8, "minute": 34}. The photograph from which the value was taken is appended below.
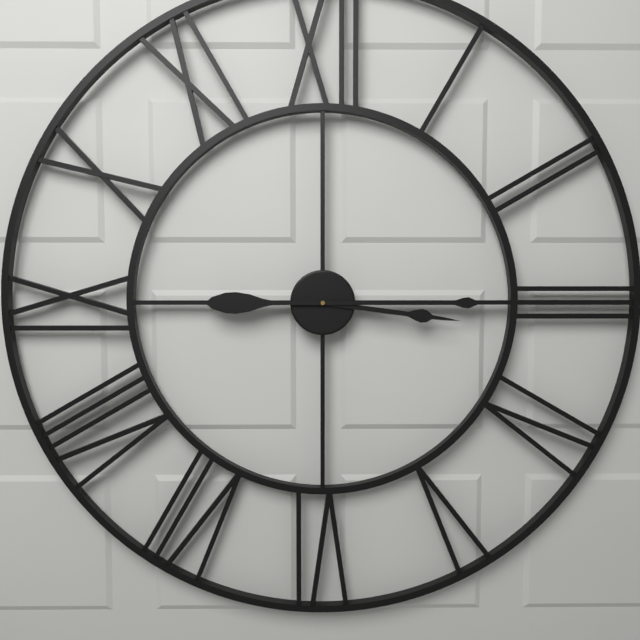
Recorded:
{"hour": 3, "minute": 15}
